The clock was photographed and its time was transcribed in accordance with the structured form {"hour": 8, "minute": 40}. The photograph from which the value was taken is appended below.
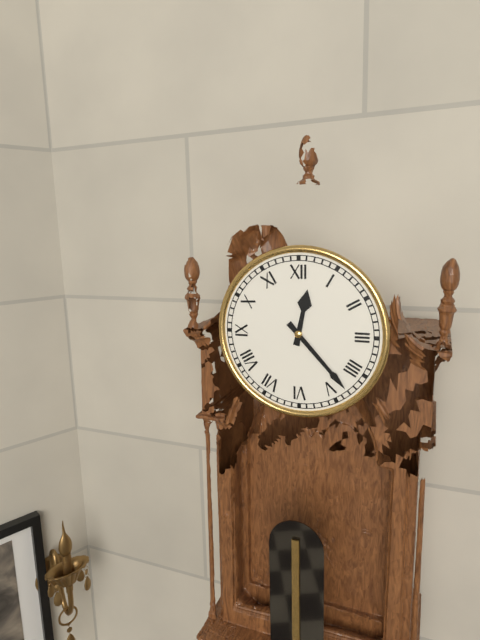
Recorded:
{"hour": 12, "minute": 23}
